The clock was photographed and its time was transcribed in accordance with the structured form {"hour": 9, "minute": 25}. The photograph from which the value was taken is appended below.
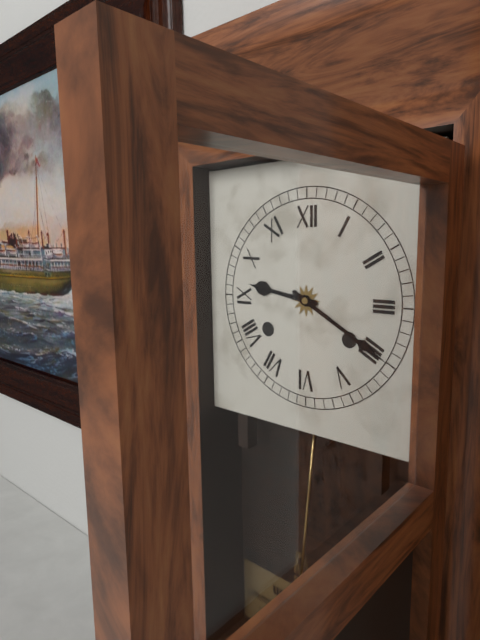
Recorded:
{"hour": 9, "minute": 20}
